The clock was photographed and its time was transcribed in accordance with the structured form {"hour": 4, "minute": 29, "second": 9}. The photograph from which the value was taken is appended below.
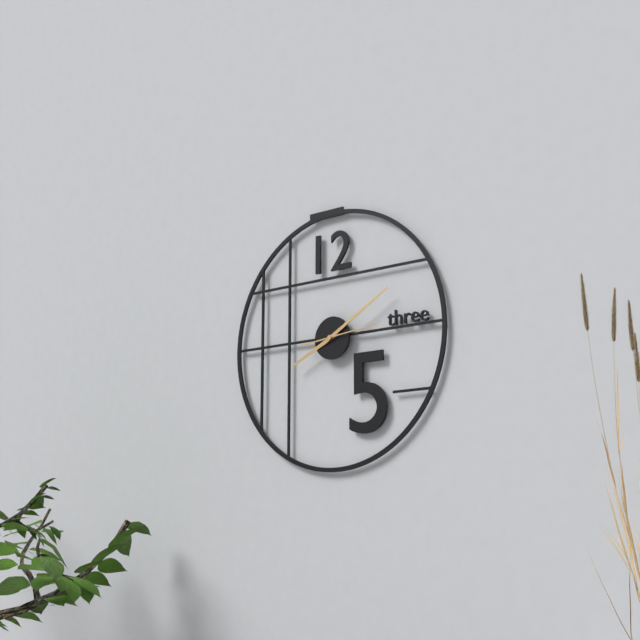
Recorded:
{"hour": 8, "minute": 10, "second": 14}
